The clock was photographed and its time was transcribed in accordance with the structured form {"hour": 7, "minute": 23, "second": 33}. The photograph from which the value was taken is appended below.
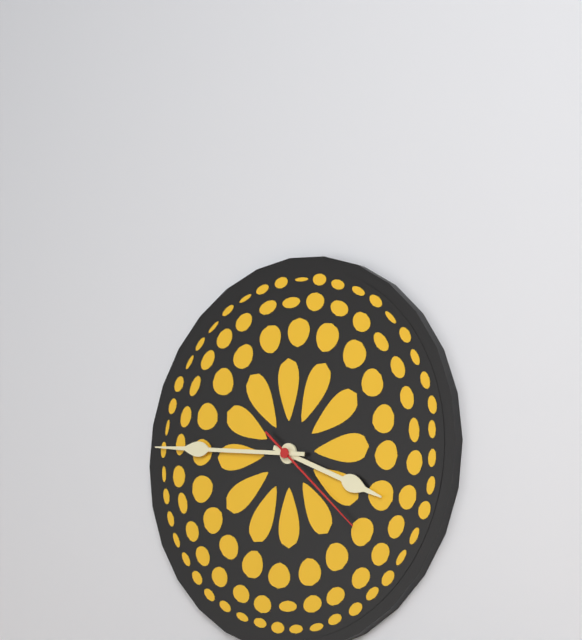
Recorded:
{"hour": 3, "minute": 46, "second": 22}
